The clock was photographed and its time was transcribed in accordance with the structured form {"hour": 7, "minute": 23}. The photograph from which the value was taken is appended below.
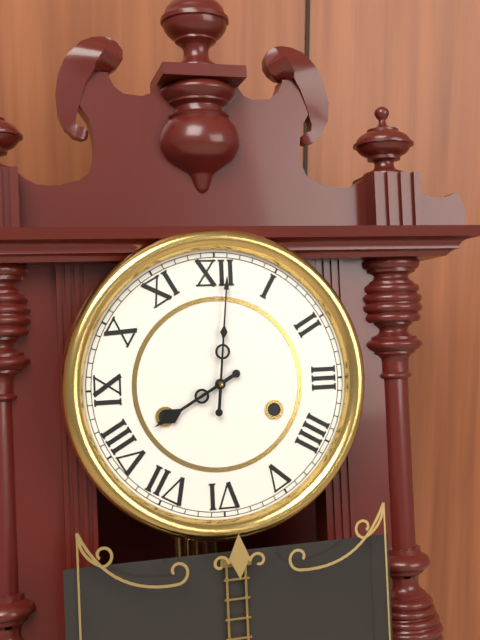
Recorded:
{"hour": 8, "minute": 1}
